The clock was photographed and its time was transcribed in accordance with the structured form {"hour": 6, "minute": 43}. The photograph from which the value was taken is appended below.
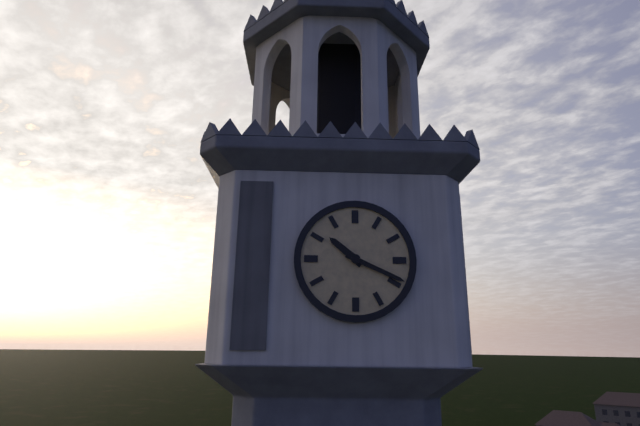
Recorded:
{"hour": 10, "minute": 19}
